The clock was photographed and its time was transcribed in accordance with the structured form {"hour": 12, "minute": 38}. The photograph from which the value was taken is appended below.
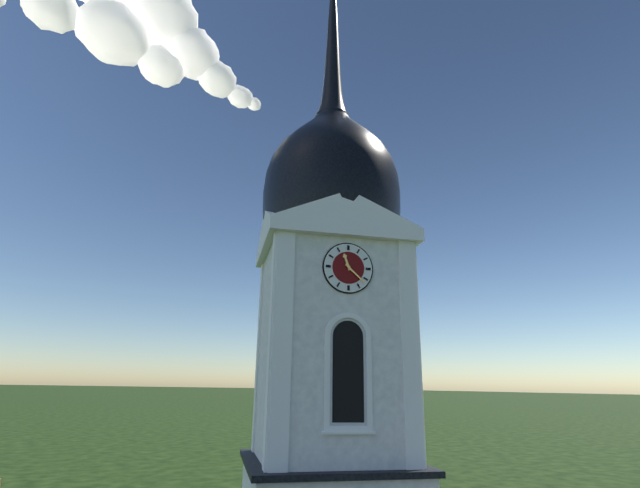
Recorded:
{"hour": 11, "minute": 22}
